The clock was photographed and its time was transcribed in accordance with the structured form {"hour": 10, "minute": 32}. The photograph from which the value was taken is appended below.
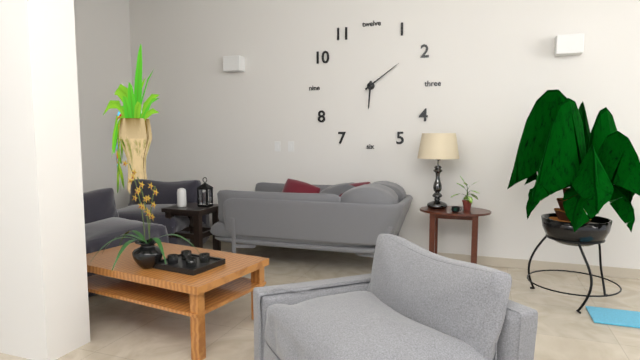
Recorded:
{"hour": 6, "minute": 9}
